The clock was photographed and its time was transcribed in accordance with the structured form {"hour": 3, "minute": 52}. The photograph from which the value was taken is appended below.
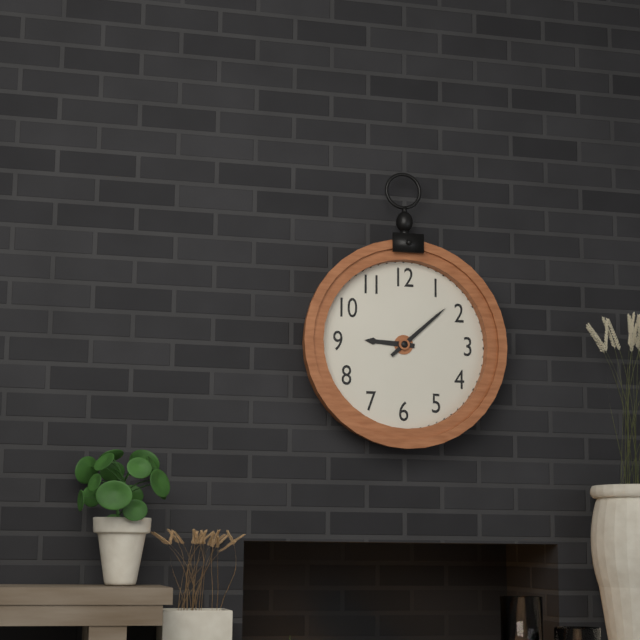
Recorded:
{"hour": 9, "minute": 8}
